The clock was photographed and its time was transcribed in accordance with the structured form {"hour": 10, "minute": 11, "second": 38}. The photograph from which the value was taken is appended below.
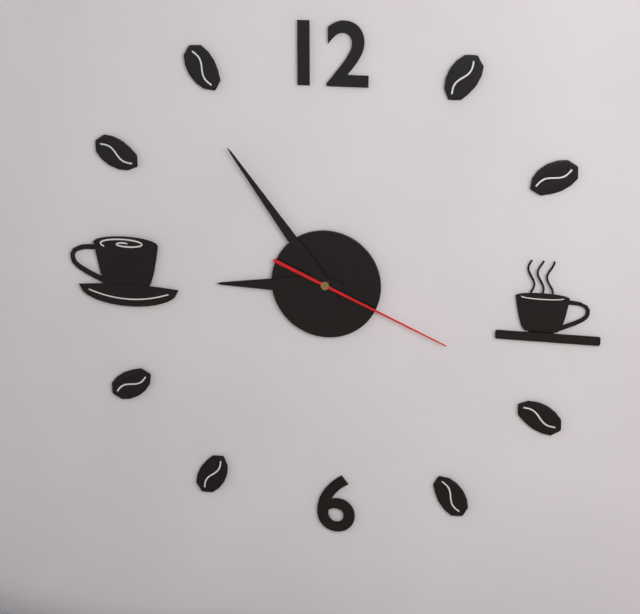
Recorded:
{"hour": 8, "minute": 54, "second": 19}
